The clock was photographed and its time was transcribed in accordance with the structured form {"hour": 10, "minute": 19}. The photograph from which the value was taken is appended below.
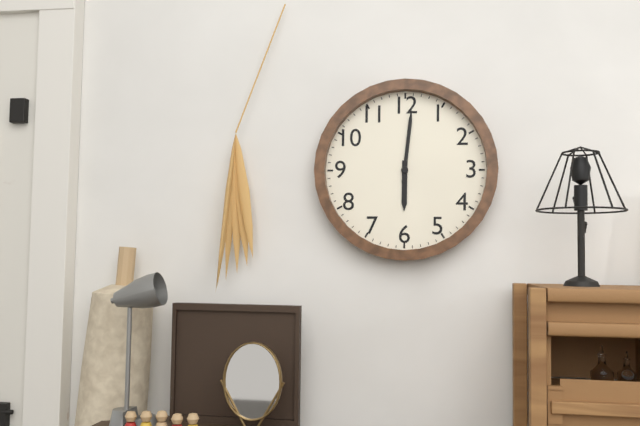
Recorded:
{"hour": 6, "minute": 1}
